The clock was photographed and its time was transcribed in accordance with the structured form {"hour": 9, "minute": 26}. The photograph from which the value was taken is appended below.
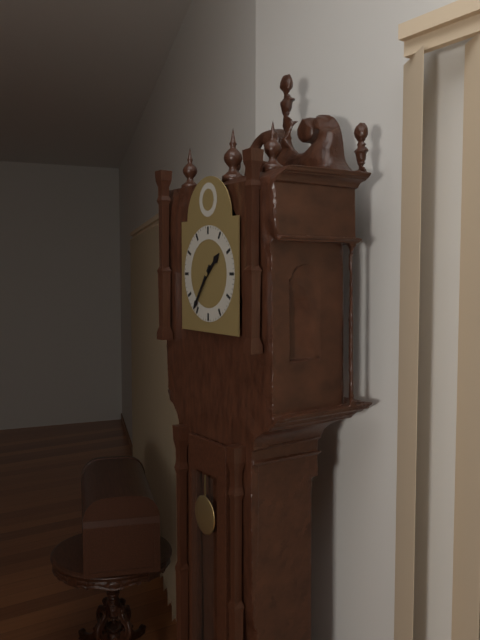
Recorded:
{"hour": 1, "minute": 36}
